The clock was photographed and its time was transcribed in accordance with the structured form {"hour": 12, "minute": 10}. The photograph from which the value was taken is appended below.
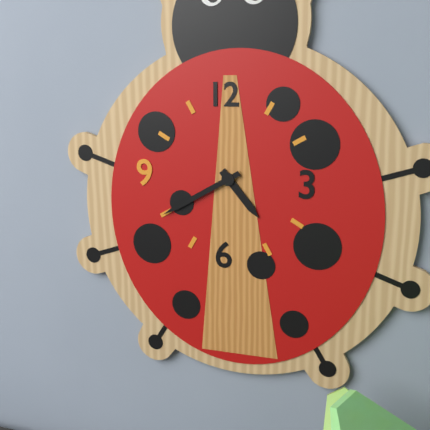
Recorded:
{"hour": 4, "minute": 40}
